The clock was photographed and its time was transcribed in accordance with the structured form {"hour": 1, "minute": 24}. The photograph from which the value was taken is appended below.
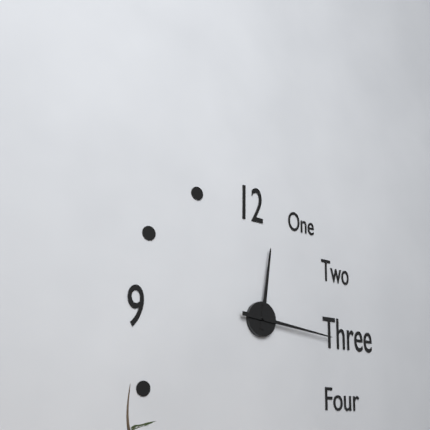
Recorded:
{"hour": 12, "minute": 16}
